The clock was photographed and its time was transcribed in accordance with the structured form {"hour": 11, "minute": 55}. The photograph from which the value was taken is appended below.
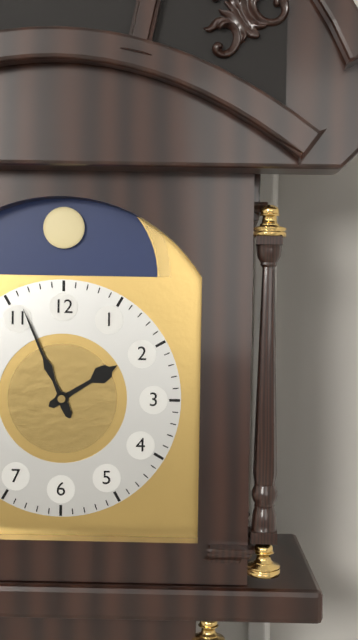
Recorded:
{"hour": 1, "minute": 56}
